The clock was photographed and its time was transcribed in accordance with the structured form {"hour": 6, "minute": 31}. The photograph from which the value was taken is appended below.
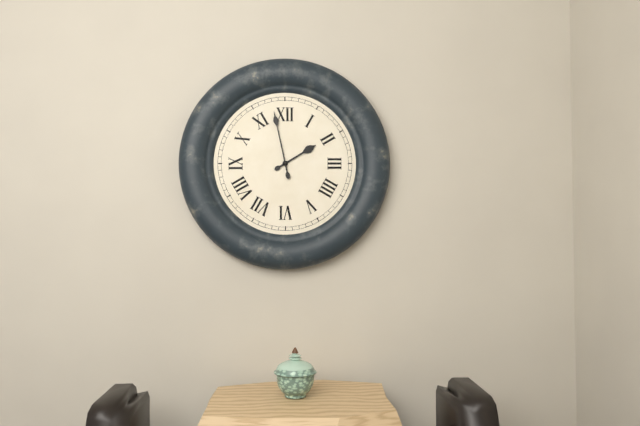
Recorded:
{"hour": 1, "minute": 58}
